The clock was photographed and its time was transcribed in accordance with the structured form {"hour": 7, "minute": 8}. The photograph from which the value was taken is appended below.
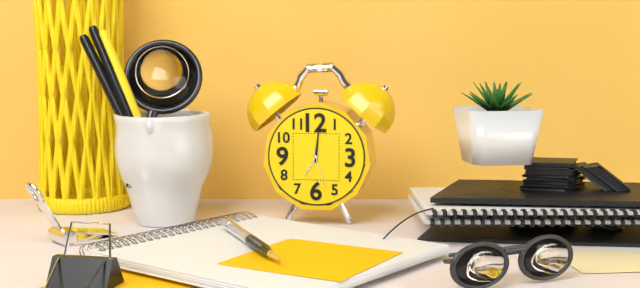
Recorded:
{"hour": 7, "minute": 1}
